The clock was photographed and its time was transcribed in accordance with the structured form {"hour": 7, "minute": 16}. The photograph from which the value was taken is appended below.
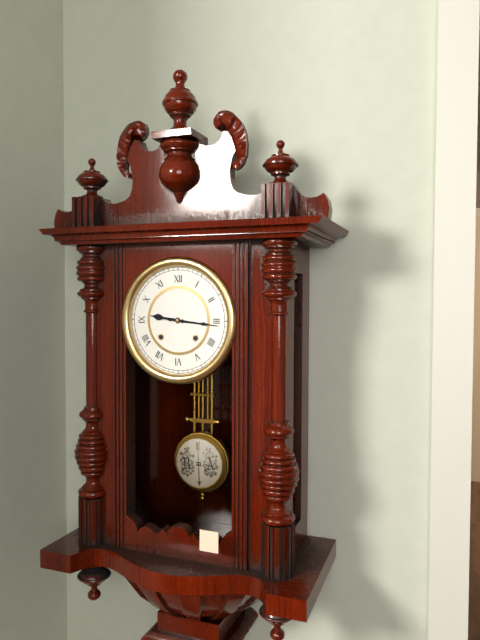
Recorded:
{"hour": 9, "minute": 16}
